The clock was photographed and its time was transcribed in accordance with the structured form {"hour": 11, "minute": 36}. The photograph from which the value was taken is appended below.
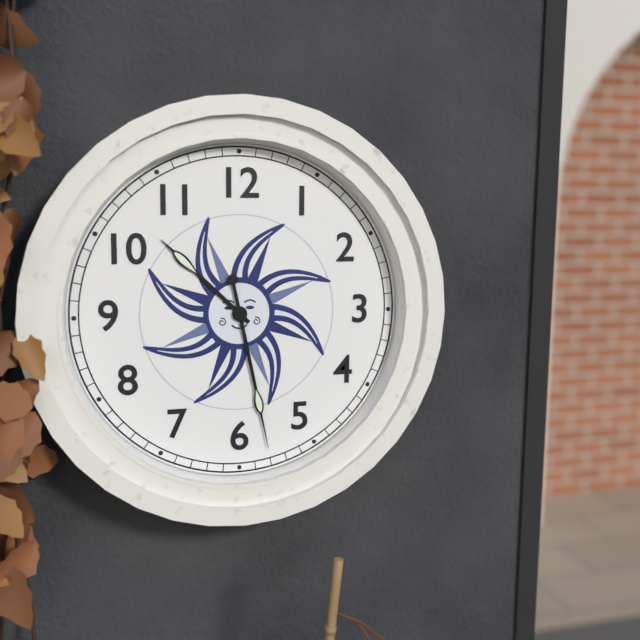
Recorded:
{"hour": 10, "minute": 28}
